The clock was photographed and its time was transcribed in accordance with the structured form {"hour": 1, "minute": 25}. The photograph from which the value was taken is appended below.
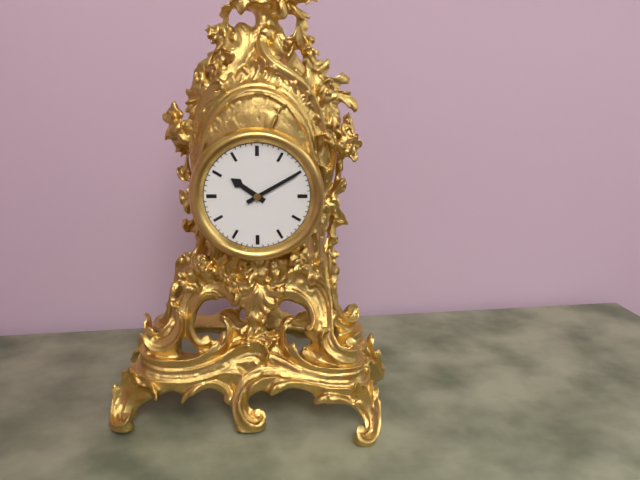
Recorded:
{"hour": 10, "minute": 10}
